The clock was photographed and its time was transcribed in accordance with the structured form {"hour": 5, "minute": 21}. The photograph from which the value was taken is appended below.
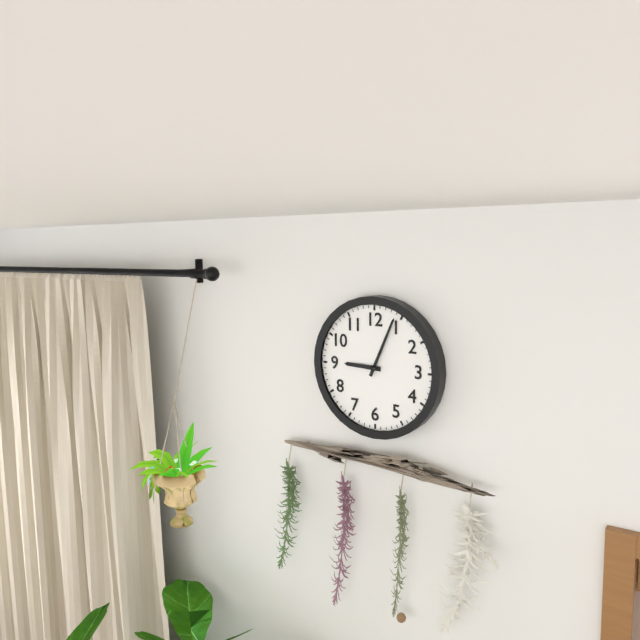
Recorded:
{"hour": 9, "minute": 4}
